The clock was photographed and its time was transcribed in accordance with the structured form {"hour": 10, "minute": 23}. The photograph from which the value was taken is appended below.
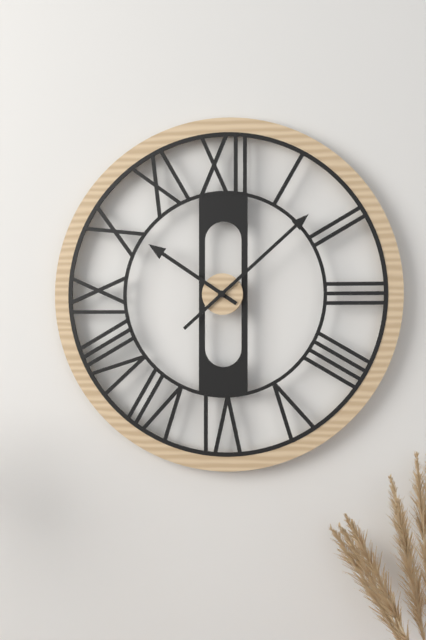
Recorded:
{"hour": 10, "minute": 8}
